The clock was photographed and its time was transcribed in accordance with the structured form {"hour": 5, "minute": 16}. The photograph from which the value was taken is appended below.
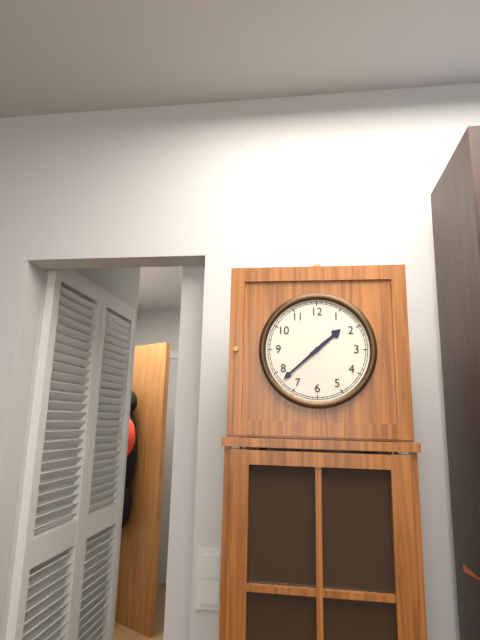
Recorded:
{"hour": 1, "minute": 38}
